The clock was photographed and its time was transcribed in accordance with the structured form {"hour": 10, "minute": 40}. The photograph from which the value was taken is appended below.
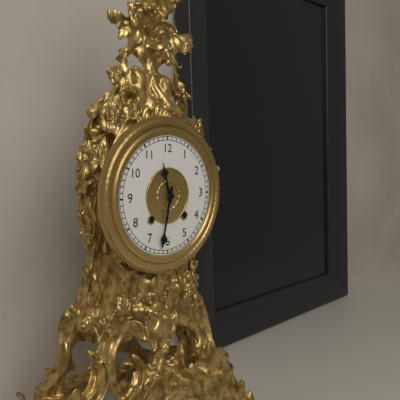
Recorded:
{"hour": 11, "minute": 32}
